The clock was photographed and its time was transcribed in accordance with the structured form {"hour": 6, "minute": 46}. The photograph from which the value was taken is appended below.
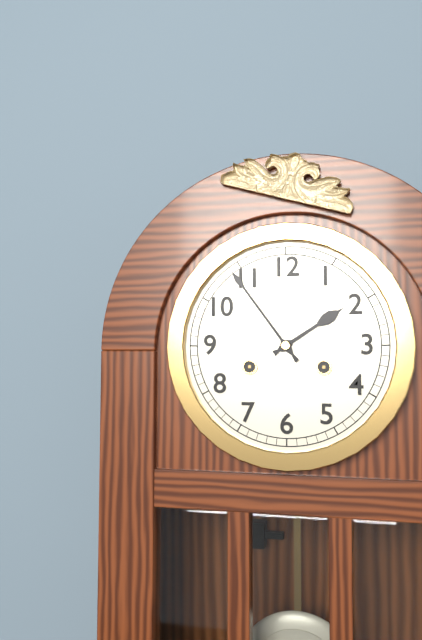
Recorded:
{"hour": 1, "minute": 54}
